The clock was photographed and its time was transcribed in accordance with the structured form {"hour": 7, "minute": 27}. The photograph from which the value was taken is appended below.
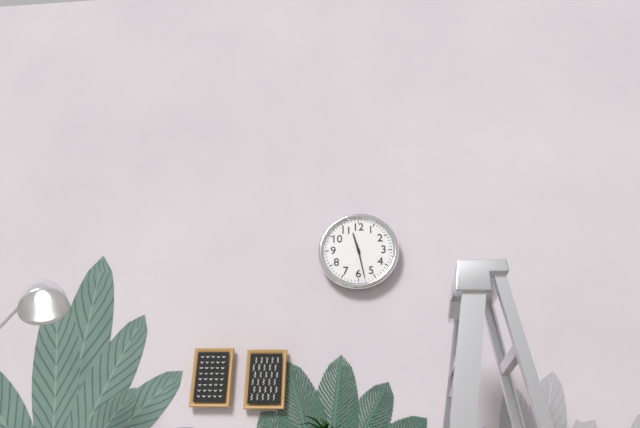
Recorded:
{"hour": 11, "minute": 28}
